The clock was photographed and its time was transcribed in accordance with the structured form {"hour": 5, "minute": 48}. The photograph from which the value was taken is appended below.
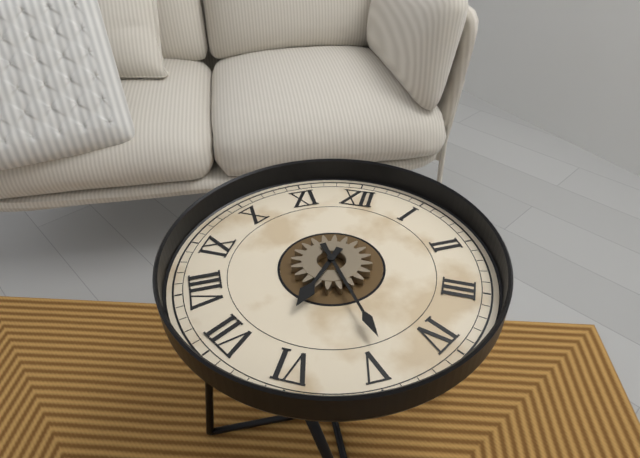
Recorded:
{"hour": 6, "minute": 24}
